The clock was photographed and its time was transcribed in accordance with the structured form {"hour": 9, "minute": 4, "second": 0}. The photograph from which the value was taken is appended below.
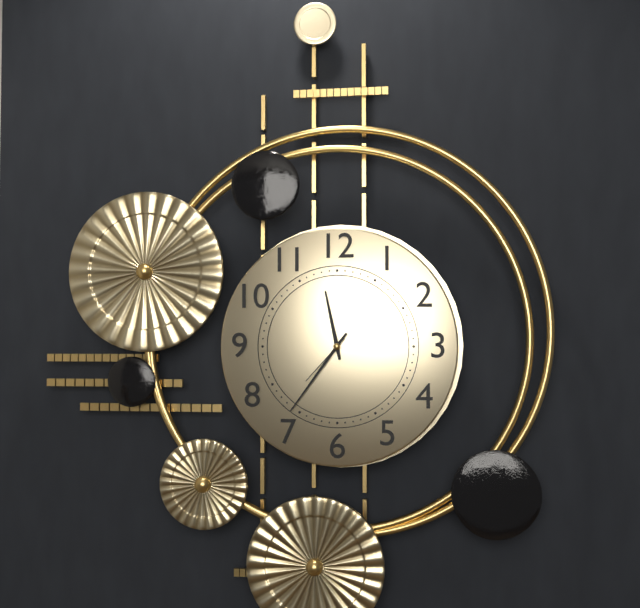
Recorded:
{"hour": 11, "minute": 36, "second": 37}
